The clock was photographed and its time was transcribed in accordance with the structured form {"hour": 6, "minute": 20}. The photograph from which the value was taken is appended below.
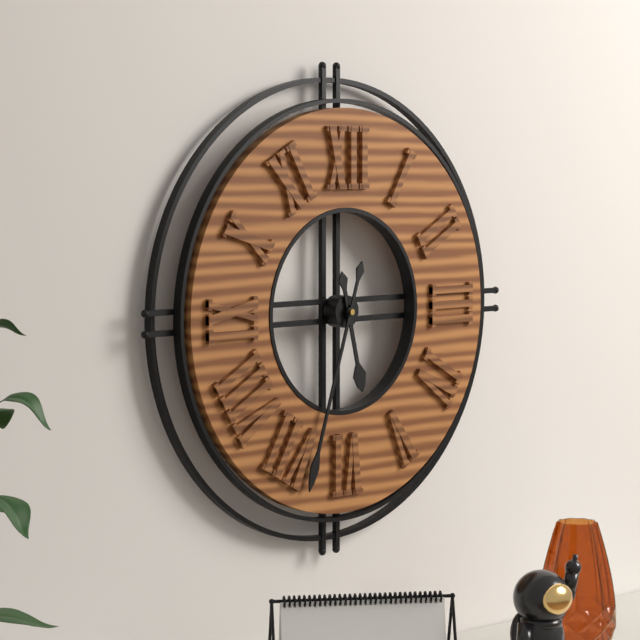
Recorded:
{"hour": 5, "minute": 33}
